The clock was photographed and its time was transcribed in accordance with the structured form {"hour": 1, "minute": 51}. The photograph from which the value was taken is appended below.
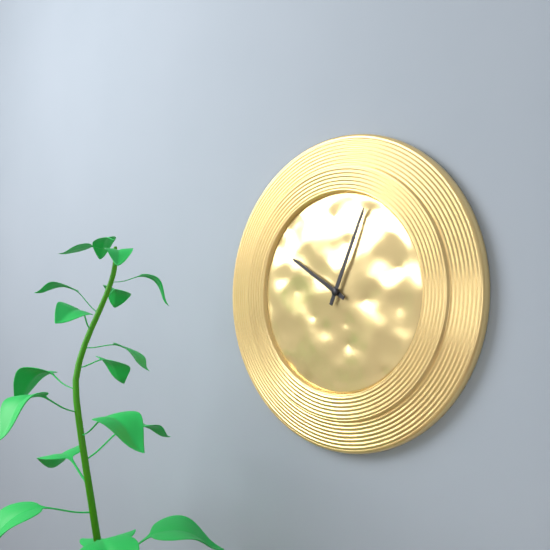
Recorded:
{"hour": 10, "minute": 4}
